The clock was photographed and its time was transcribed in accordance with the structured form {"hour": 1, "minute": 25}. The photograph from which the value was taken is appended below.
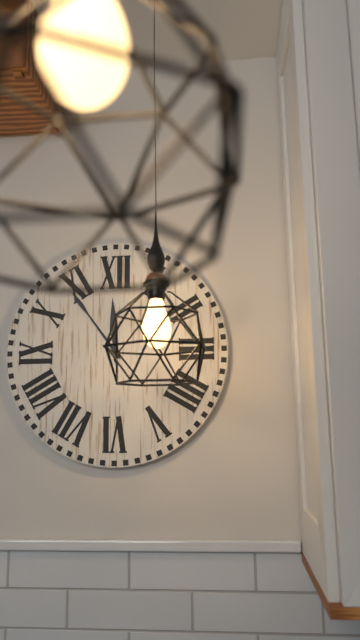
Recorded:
{"hour": 11, "minute": 54}
